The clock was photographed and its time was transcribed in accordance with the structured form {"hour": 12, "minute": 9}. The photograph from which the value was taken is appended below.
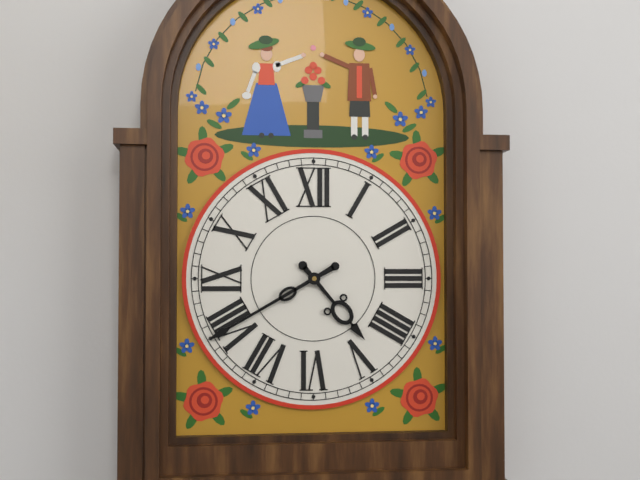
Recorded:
{"hour": 4, "minute": 40}
